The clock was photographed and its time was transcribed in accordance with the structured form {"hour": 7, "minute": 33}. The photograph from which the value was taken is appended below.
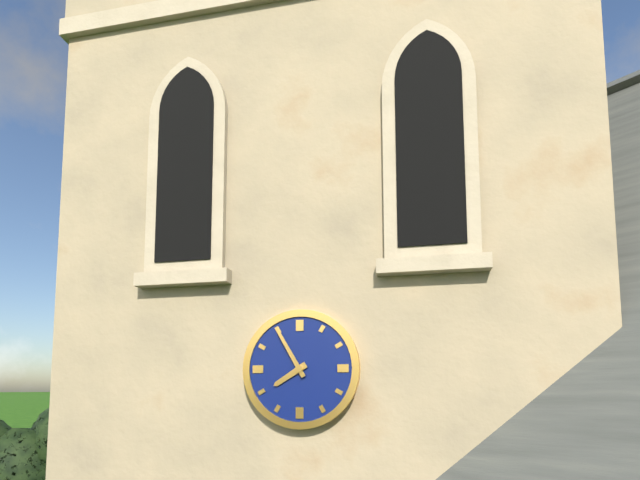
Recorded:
{"hour": 7, "minute": 55}
